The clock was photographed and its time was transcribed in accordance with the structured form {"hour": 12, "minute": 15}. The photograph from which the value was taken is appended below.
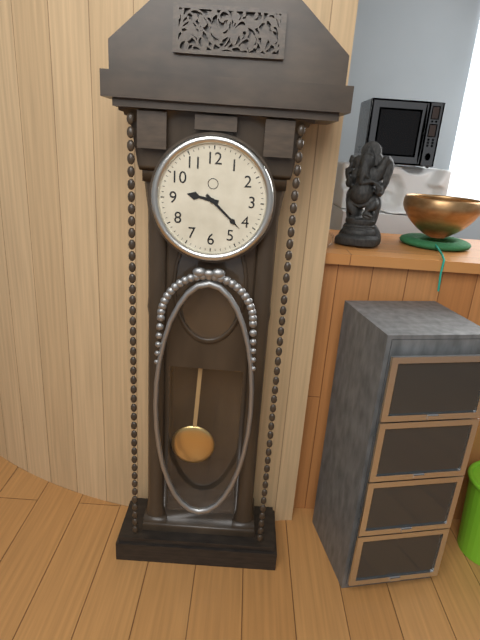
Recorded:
{"hour": 9, "minute": 22}
